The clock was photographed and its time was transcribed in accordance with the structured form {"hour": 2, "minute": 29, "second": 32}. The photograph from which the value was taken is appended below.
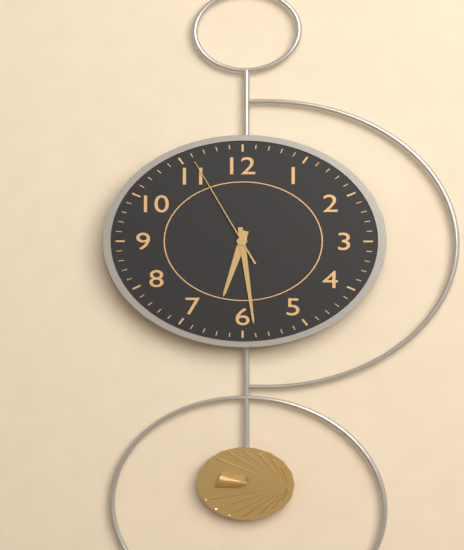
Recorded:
{"hour": 6, "minute": 29, "second": 56}
